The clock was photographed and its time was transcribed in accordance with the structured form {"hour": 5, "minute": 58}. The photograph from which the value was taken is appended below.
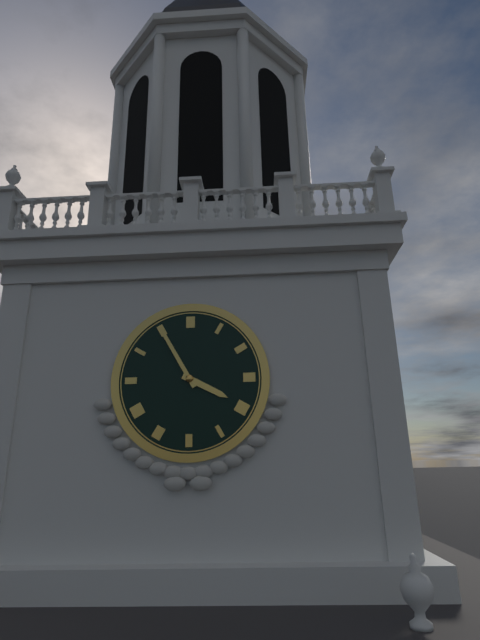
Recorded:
{"hour": 3, "minute": 55}
